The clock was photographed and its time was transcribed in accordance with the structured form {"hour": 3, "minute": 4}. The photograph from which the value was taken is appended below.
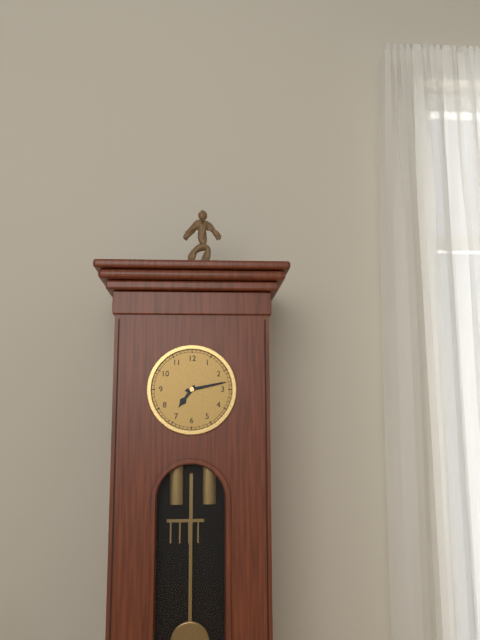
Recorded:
{"hour": 7, "minute": 13}
